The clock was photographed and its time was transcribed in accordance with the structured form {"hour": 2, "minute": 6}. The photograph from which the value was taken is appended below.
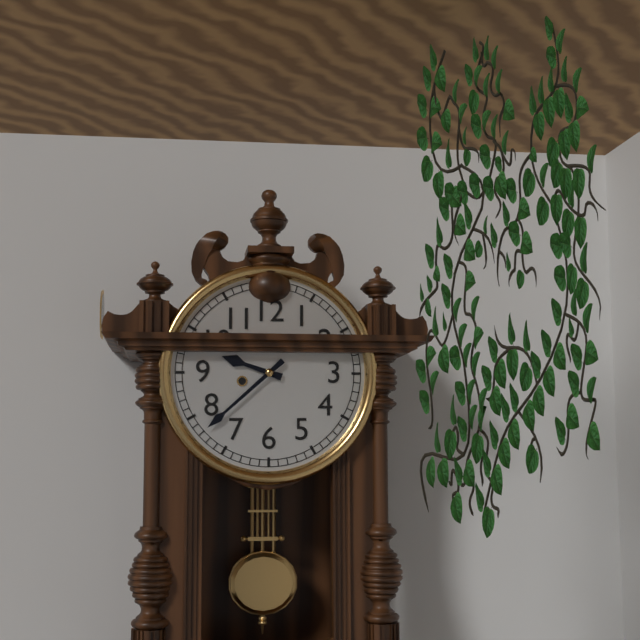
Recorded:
{"hour": 9, "minute": 38}
